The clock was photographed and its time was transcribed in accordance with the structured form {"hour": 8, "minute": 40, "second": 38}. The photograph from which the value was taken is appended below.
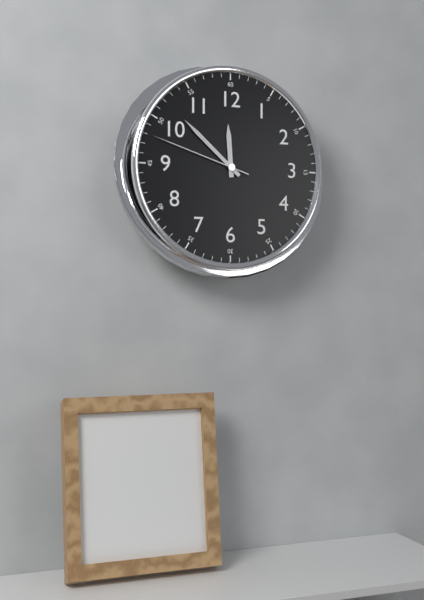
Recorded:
{"hour": 11, "minute": 52, "second": 48}
